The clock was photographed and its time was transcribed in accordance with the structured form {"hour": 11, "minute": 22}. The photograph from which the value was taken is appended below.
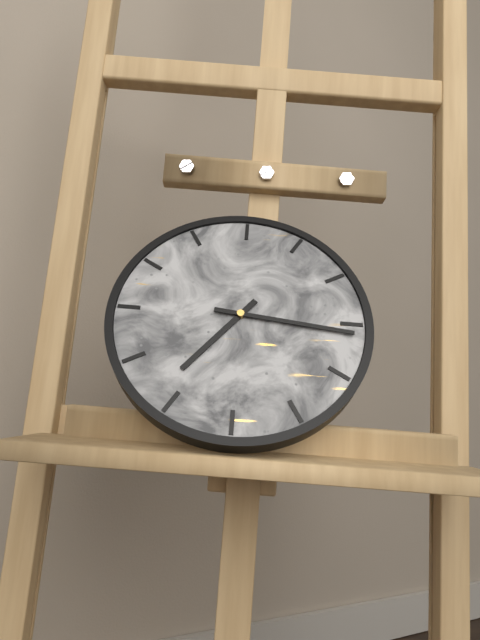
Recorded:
{"hour": 7, "minute": 16}
